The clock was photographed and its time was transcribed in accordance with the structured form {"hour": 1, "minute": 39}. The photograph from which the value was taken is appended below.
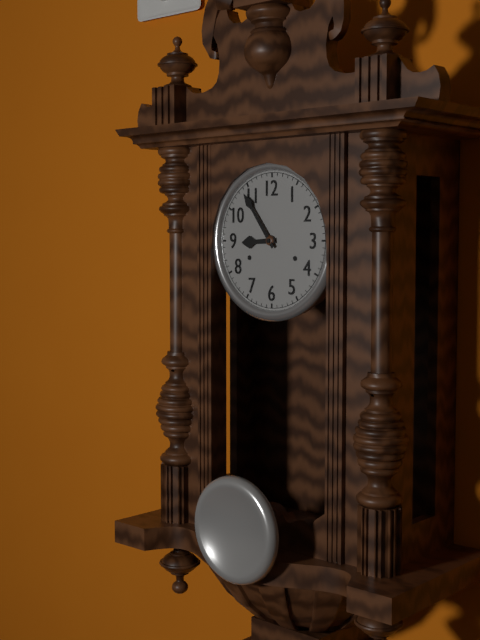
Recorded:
{"hour": 8, "minute": 54}
